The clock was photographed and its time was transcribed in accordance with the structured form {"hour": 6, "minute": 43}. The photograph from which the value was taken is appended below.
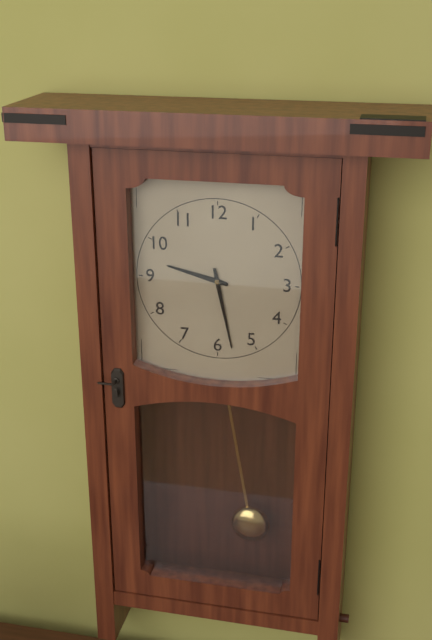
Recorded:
{"hour": 9, "minute": 28}
